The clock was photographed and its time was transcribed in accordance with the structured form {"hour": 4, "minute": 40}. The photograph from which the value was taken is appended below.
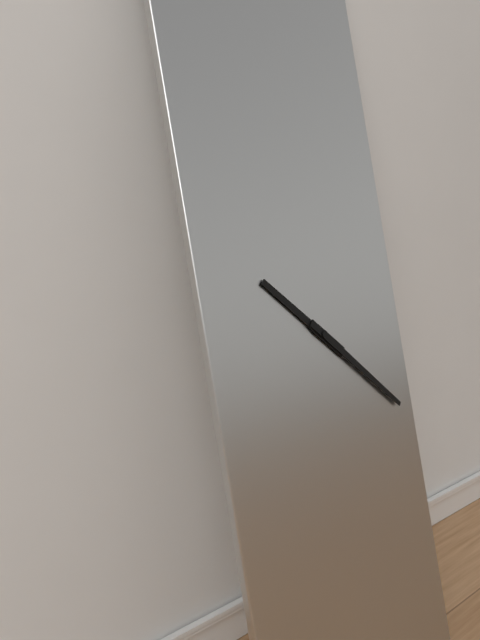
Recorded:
{"hour": 10, "minute": 22}
